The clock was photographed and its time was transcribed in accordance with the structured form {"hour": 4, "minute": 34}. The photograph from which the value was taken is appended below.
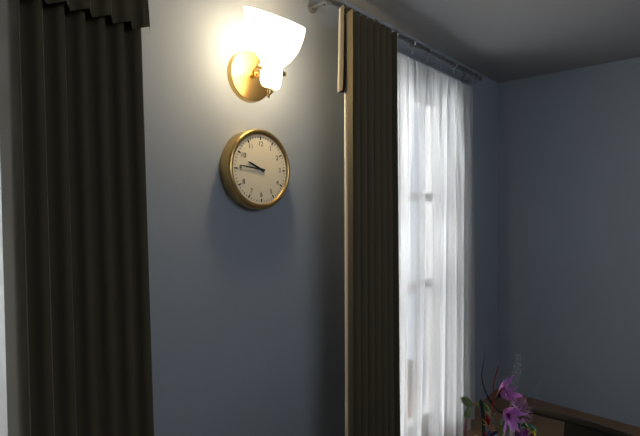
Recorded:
{"hour": 9, "minute": 46}
